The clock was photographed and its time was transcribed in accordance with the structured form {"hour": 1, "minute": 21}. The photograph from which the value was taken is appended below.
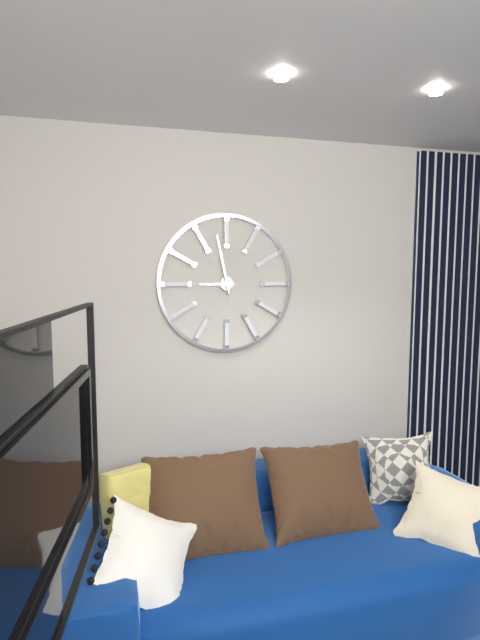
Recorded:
{"hour": 8, "minute": 58}
